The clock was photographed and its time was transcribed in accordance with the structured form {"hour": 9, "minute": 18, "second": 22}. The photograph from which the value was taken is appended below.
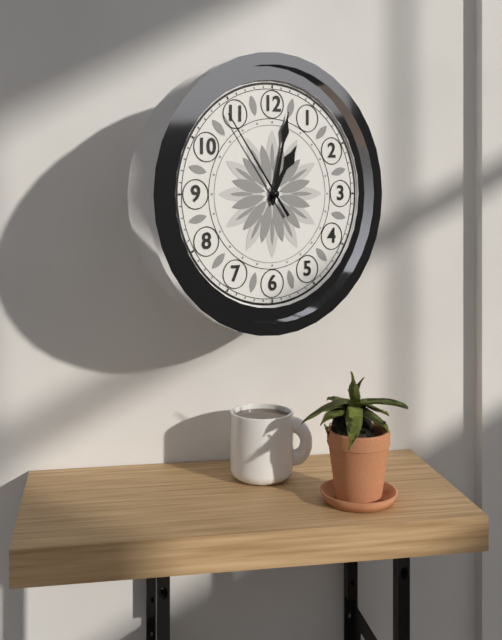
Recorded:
{"hour": 1, "minute": 2, "second": 54}
